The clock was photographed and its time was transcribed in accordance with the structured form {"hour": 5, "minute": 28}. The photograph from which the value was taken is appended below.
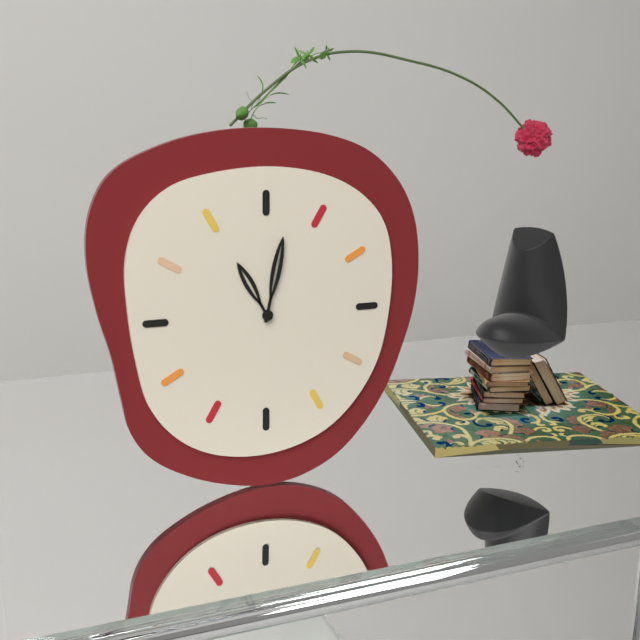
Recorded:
{"hour": 11, "minute": 2}
